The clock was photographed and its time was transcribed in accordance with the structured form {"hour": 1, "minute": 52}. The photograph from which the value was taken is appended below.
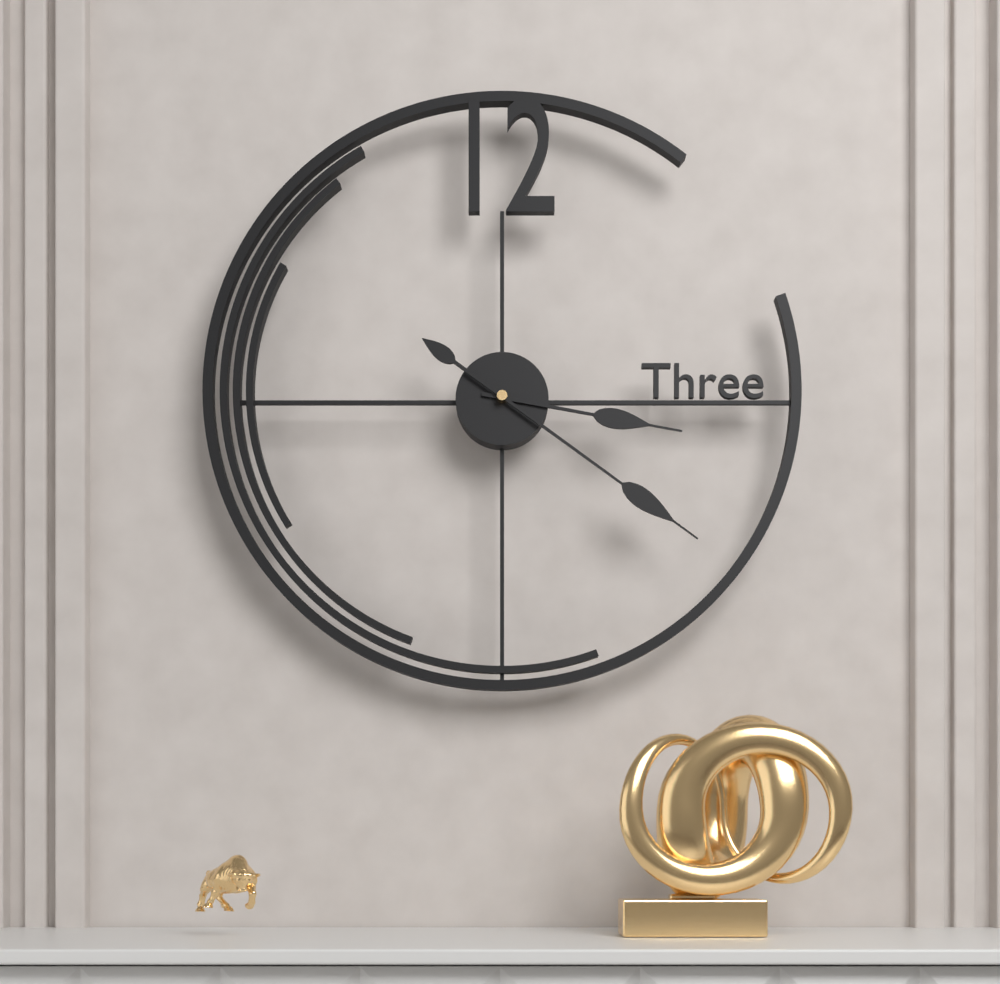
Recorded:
{"hour": 3, "minute": 21}
